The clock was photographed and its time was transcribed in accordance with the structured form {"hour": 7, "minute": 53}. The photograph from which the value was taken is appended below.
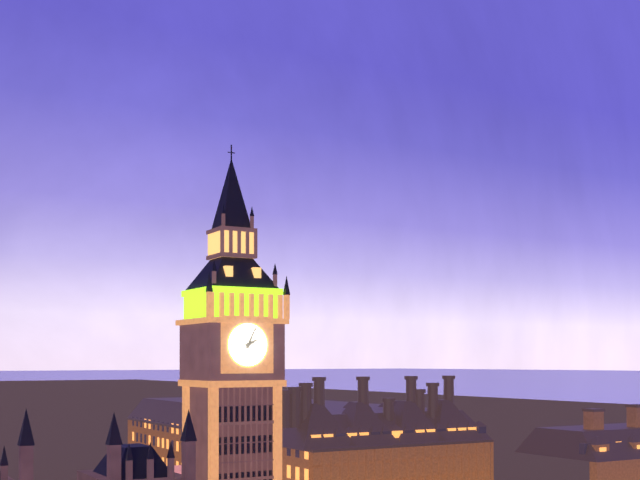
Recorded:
{"hour": 2, "minute": 4}
